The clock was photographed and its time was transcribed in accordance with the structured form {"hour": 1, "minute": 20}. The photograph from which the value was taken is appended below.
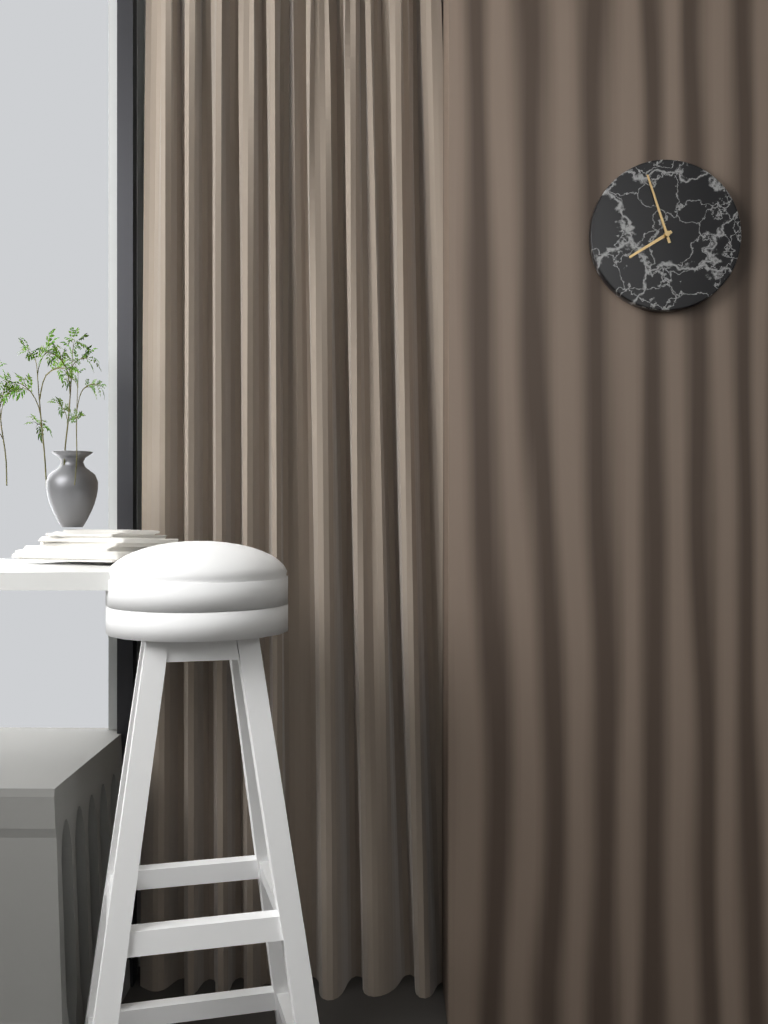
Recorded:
{"hour": 7, "minute": 57}
